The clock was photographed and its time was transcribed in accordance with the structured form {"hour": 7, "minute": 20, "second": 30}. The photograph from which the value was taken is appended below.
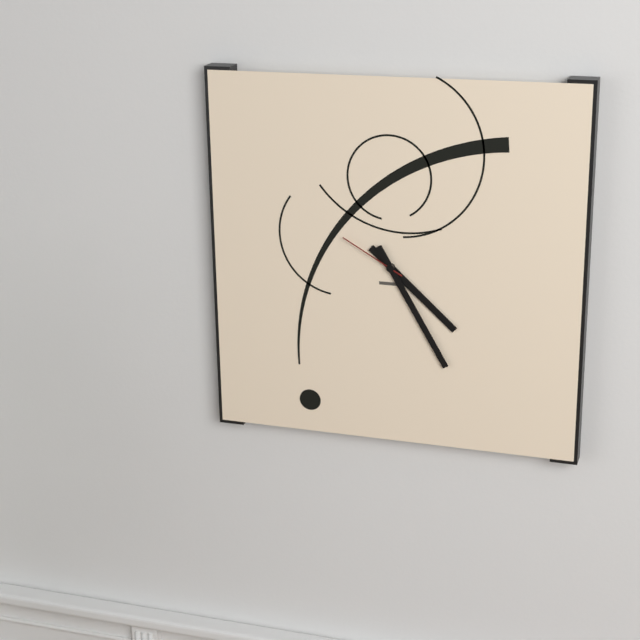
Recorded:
{"hour": 4, "minute": 25, "second": 50}
